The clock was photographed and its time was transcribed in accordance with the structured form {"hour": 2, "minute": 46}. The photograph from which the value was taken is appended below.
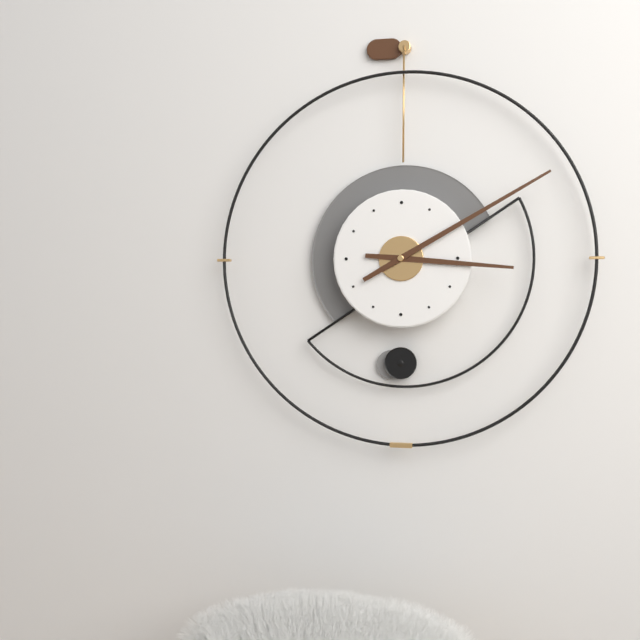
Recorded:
{"hour": 3, "minute": 10}
